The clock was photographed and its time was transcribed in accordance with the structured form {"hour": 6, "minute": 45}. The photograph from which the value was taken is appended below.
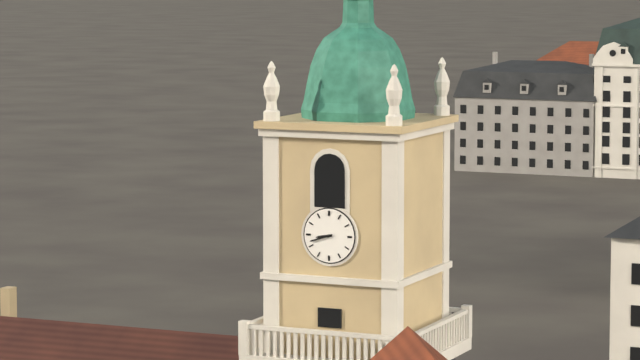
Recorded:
{"hour": 8, "minute": 42}
